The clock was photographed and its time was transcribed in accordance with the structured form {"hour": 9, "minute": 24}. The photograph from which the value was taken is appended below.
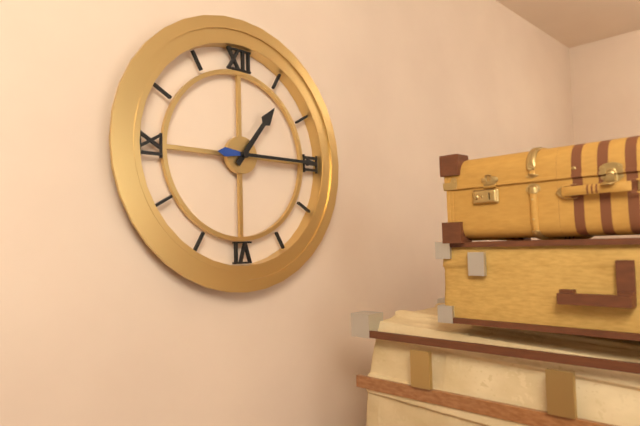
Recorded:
{"hour": 1, "minute": 15}
